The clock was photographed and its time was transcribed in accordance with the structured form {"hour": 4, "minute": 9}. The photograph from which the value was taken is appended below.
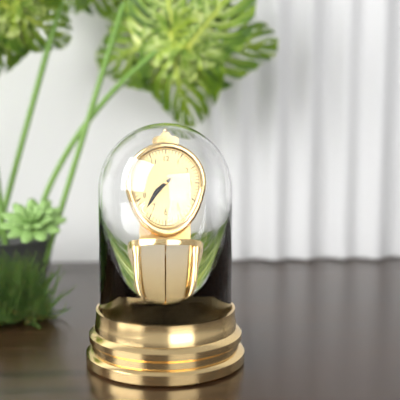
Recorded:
{"hour": 7, "minute": 37}
